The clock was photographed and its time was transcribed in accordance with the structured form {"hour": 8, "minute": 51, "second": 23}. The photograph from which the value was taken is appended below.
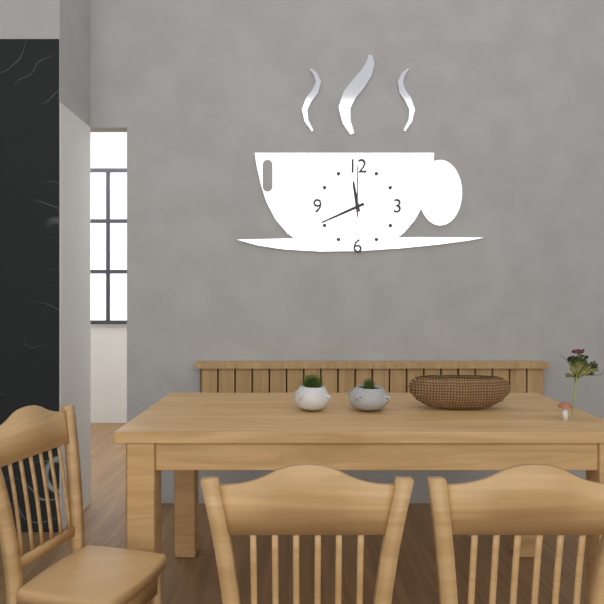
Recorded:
{"hour": 11, "minute": 41, "second": 0}
